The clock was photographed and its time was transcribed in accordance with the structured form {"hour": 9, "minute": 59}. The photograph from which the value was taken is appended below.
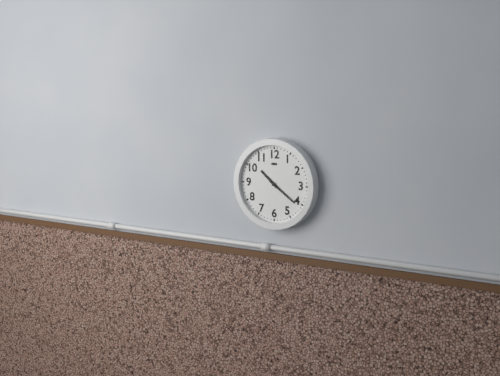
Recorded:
{"hour": 10, "minute": 21}
